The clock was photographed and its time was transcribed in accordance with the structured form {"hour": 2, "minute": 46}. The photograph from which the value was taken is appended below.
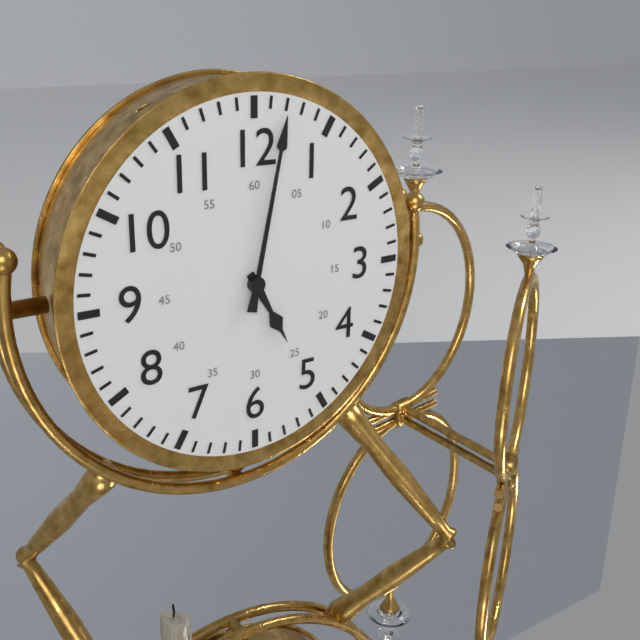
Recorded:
{"hour": 5, "minute": 2}
